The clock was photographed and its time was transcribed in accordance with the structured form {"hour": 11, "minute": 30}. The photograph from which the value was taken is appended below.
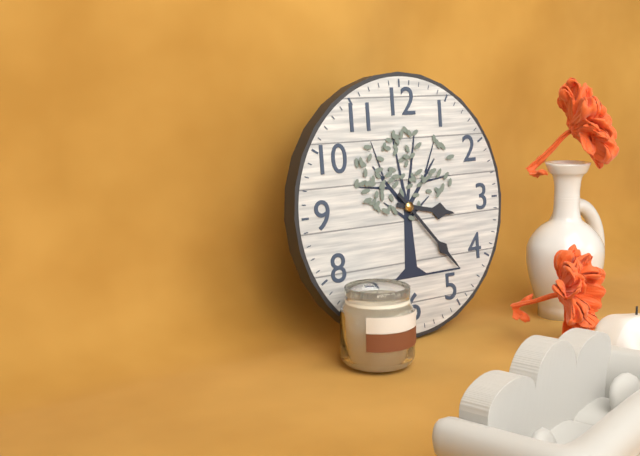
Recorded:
{"hour": 3, "minute": 23}
